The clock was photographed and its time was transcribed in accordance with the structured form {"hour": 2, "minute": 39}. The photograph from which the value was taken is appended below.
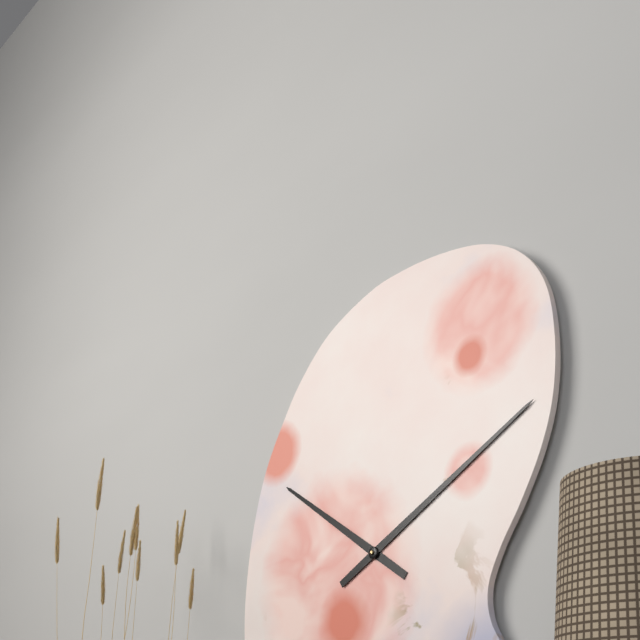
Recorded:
{"hour": 10, "minute": 10}
